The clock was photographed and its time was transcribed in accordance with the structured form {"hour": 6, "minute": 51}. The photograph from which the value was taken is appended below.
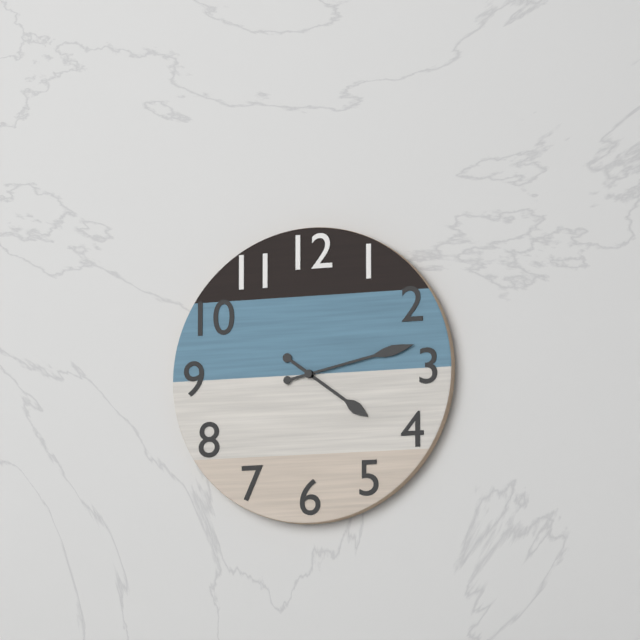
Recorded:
{"hour": 4, "minute": 13}
